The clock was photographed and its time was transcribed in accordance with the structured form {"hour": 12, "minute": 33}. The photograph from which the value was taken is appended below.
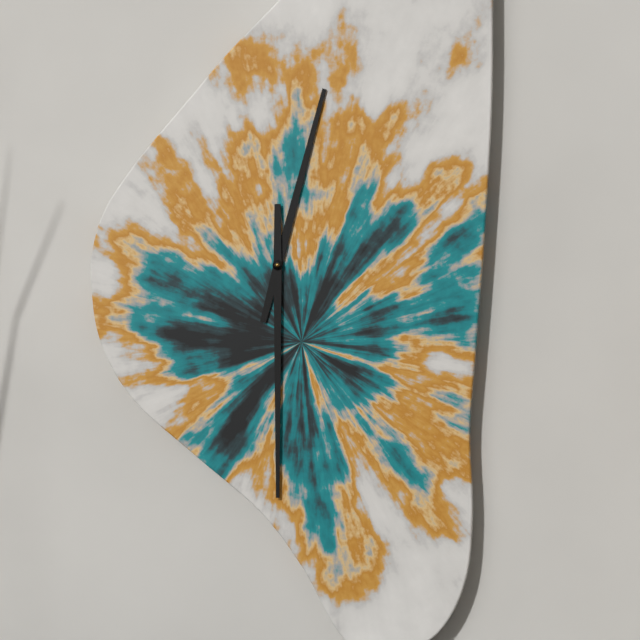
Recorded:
{"hour": 12, "minute": 30}
